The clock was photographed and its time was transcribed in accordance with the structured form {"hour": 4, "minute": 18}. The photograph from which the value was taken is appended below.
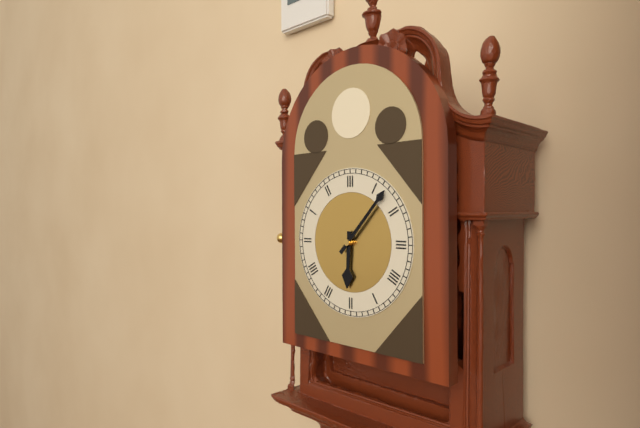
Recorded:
{"hour": 6, "minute": 7}
